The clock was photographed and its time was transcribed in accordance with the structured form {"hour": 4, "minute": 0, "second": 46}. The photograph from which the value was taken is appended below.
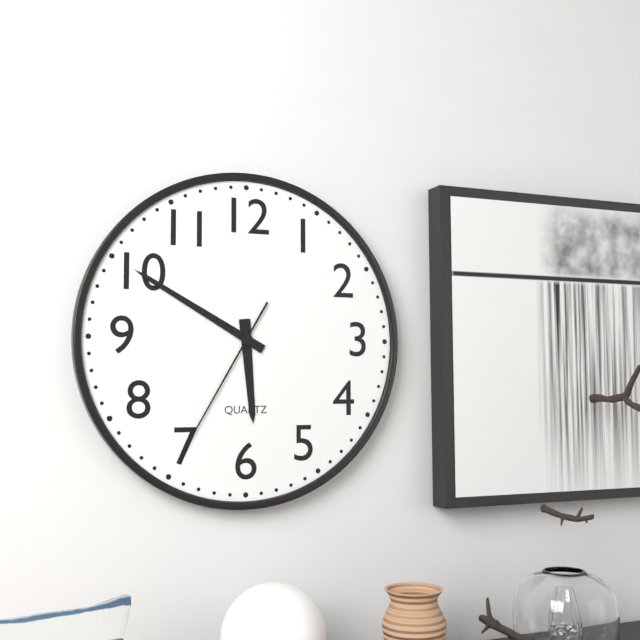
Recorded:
{"hour": 5, "minute": 50, "second": 35}
